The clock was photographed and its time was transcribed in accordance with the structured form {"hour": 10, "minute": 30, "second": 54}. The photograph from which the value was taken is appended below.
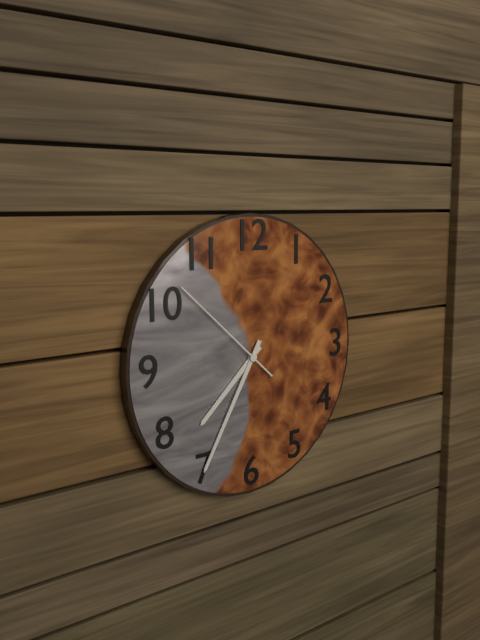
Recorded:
{"hour": 7, "minute": 35, "second": 52}
